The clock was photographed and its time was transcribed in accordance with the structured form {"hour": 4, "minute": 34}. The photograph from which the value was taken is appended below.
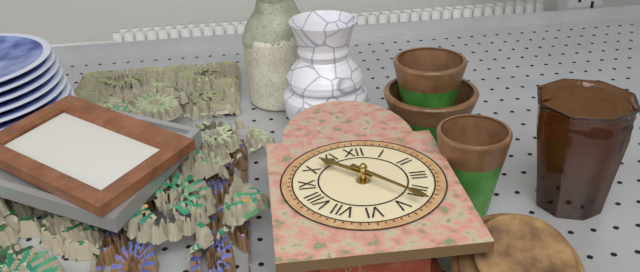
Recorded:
{"hour": 10, "minute": 23}
